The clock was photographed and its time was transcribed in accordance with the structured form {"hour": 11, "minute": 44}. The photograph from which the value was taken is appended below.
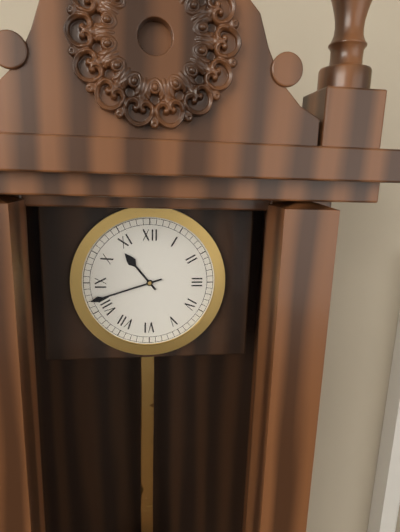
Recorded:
{"hour": 10, "minute": 42}
